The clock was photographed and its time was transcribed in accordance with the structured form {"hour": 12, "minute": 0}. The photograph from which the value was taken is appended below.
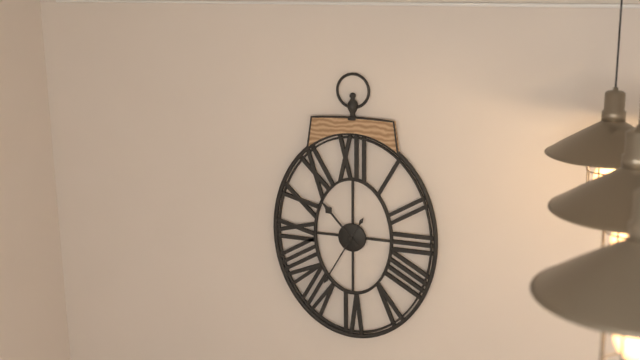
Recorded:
{"hour": 10, "minute": 35}
